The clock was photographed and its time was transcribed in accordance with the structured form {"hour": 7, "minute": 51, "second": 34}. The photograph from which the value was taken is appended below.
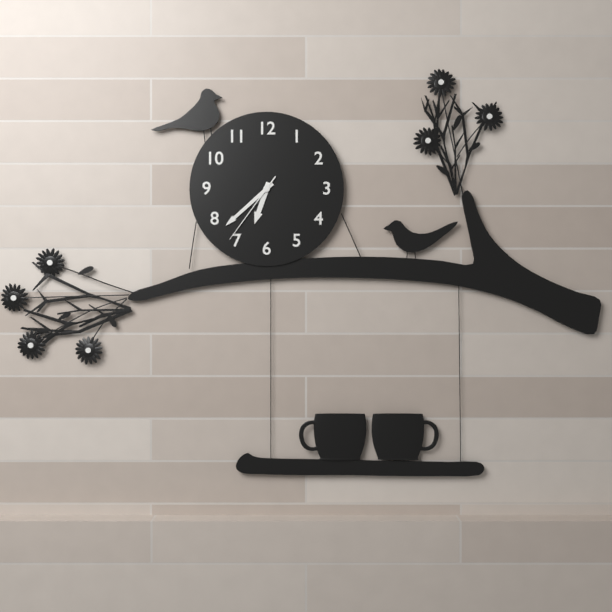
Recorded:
{"hour": 6, "minute": 38, "second": 36}
